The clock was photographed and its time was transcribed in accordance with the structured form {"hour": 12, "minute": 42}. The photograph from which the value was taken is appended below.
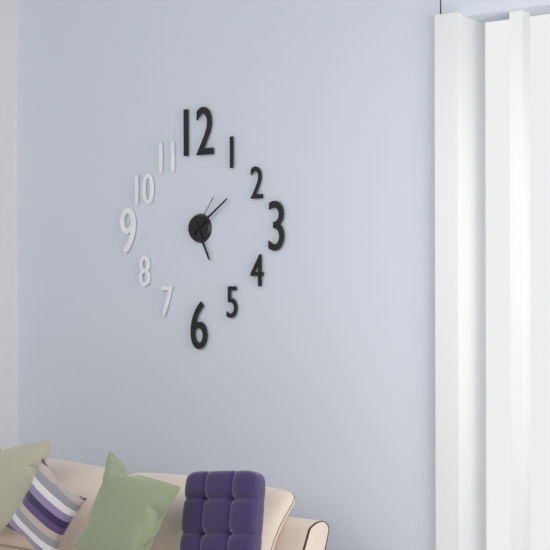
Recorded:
{"hour": 5, "minute": 9}
